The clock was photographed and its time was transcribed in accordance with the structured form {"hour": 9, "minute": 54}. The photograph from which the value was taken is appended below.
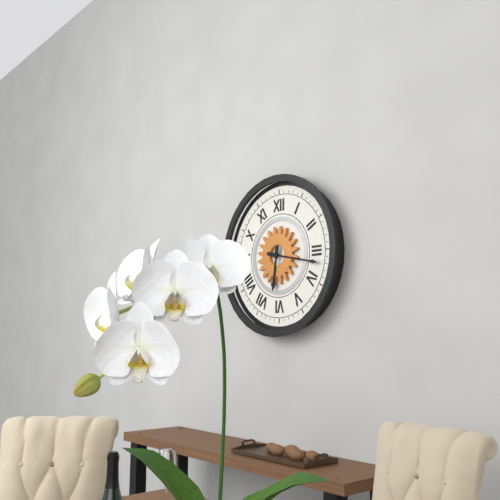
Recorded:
{"hour": 6, "minute": 17}
